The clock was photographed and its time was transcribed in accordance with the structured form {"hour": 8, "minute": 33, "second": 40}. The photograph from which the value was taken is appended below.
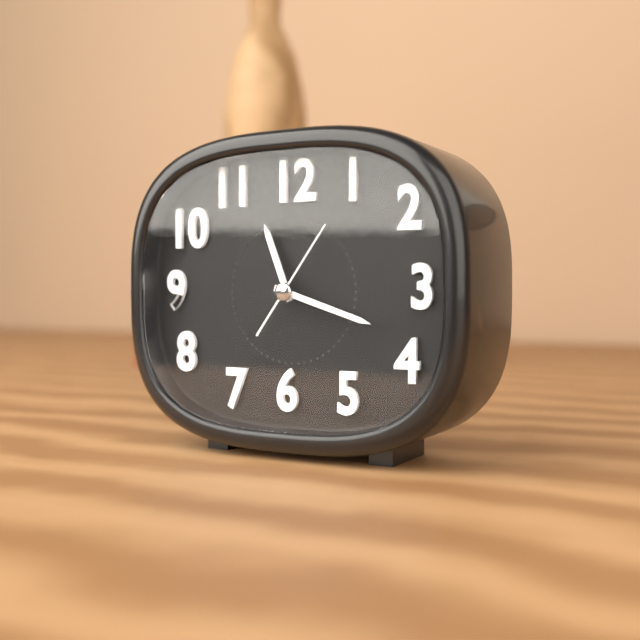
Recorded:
{"hour": 11, "minute": 18, "second": 6}
